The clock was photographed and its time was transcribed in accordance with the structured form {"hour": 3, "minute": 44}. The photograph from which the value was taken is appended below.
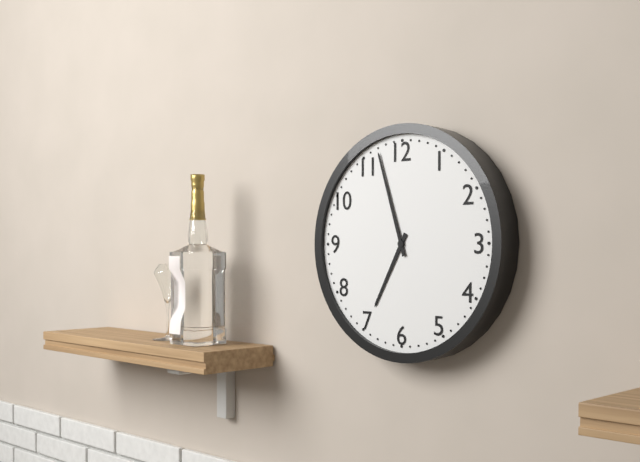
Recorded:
{"hour": 6, "minute": 57}
